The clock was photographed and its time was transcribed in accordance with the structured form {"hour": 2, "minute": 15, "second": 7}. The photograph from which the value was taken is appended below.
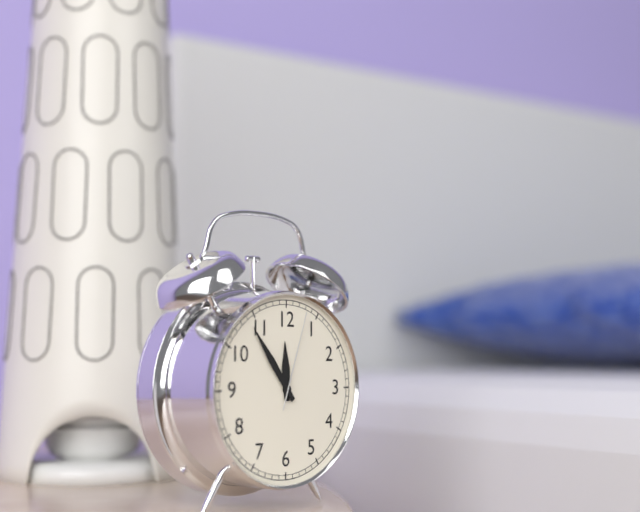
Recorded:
{"hour": 11, "minute": 54, "second": 3}
